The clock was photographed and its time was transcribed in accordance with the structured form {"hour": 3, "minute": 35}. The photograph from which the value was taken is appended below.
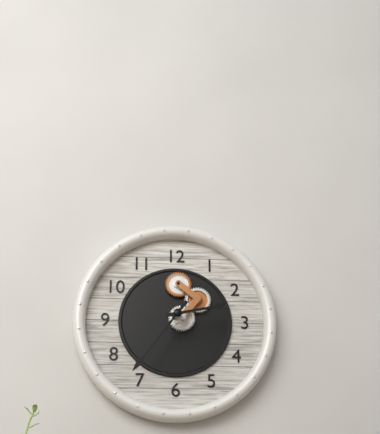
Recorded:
{"hour": 2, "minute": 36}
